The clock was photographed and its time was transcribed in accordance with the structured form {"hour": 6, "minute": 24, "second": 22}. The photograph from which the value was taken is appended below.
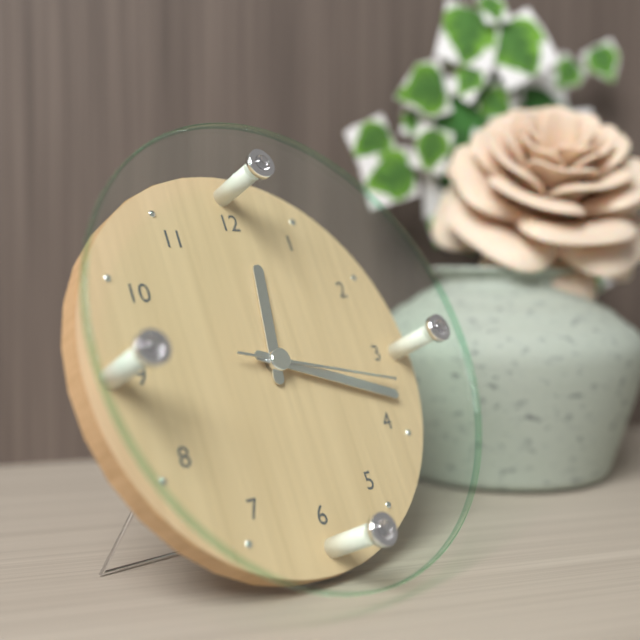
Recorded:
{"hour": 12, "minute": 18, "second": 17}
